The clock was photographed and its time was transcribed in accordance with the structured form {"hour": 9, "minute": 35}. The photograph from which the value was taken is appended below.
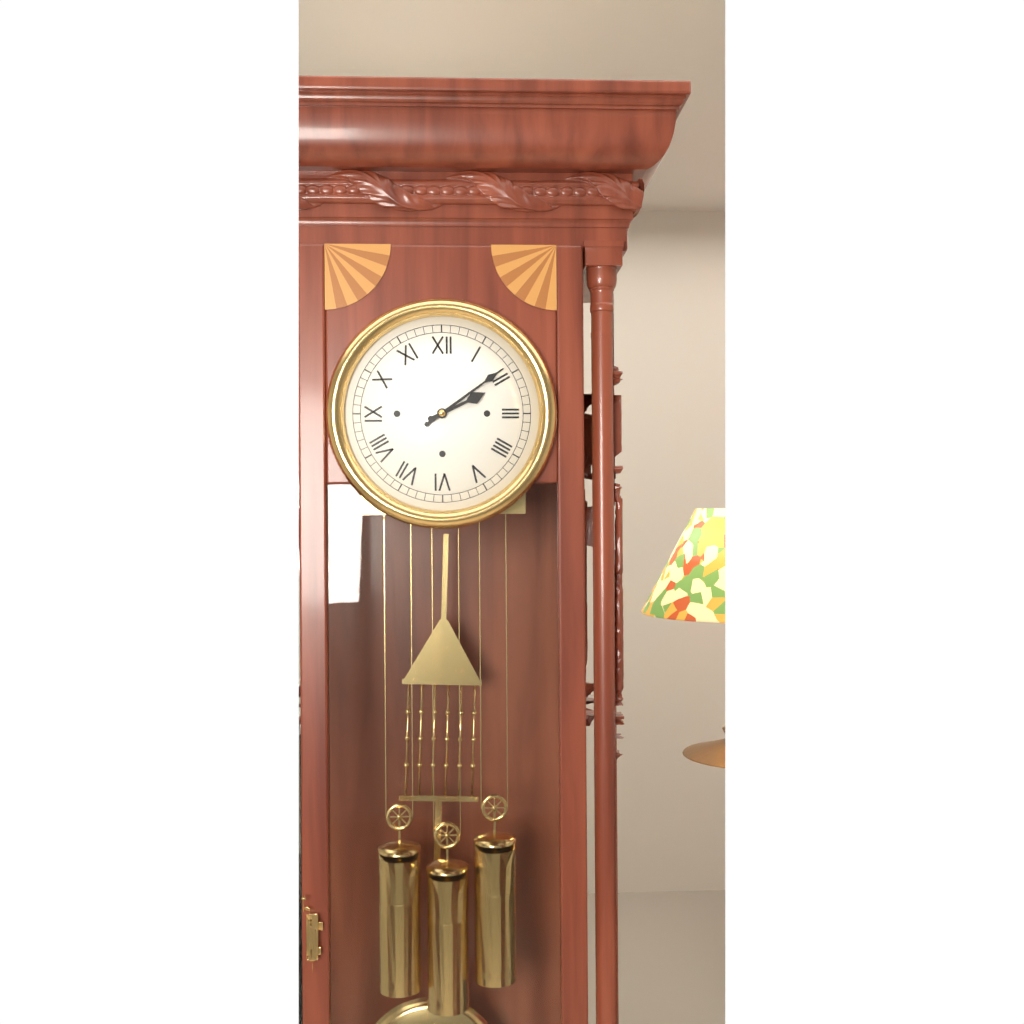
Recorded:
{"hour": 2, "minute": 9}
